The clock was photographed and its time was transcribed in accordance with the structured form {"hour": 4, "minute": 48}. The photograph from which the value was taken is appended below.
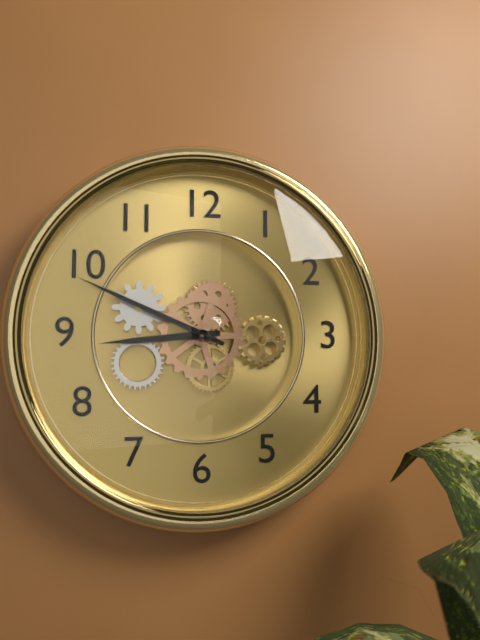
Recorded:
{"hour": 8, "minute": 49}
